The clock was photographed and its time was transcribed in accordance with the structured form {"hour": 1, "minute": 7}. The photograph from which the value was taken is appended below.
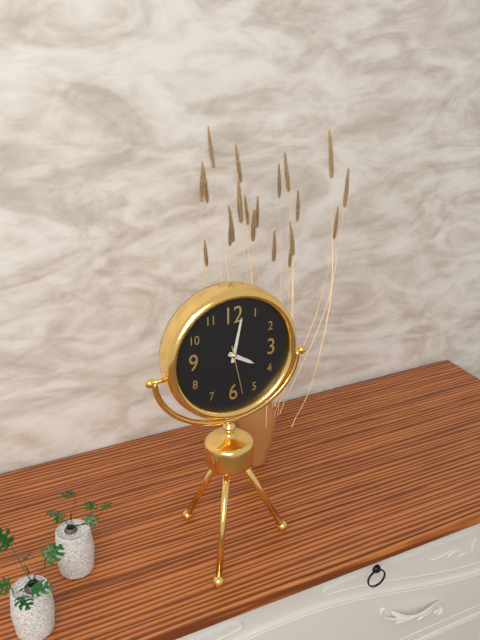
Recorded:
{"hour": 4, "minute": 2}
